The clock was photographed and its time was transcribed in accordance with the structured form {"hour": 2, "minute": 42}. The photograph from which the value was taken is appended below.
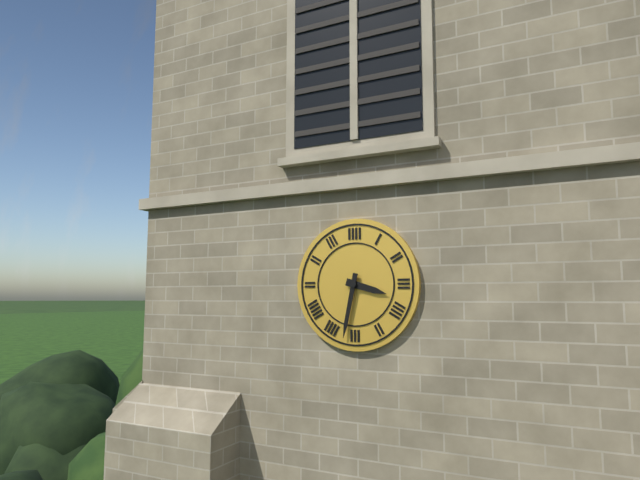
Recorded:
{"hour": 3, "minute": 32}
